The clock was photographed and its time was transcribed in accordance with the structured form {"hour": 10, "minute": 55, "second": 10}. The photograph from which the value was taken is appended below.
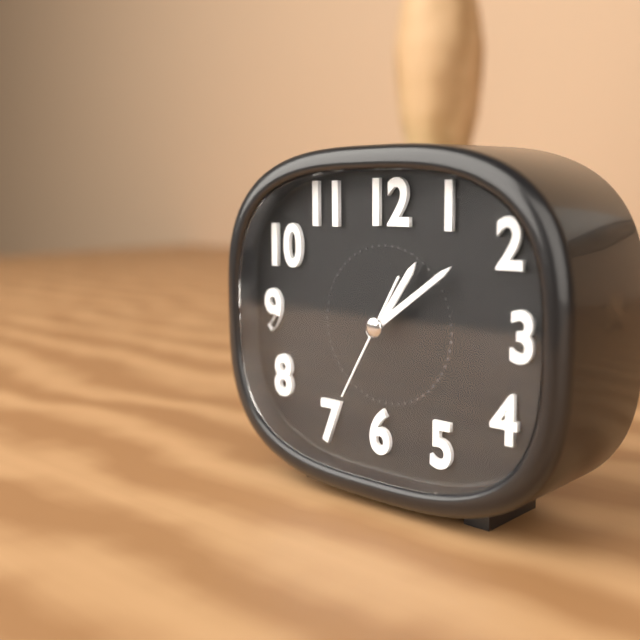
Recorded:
{"hour": 1, "minute": 9, "second": 35}
